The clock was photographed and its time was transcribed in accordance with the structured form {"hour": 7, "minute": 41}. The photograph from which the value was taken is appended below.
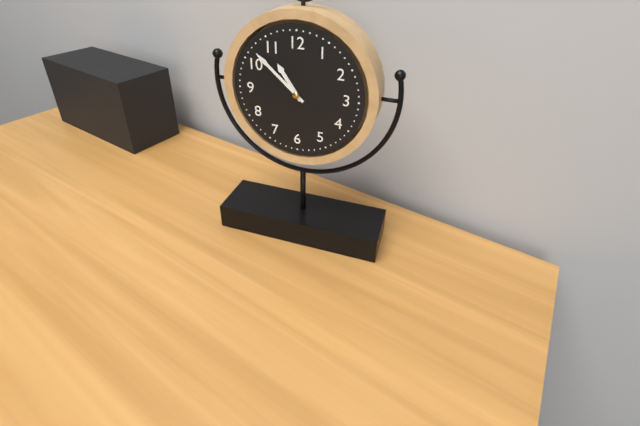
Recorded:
{"hour": 10, "minute": 52}
